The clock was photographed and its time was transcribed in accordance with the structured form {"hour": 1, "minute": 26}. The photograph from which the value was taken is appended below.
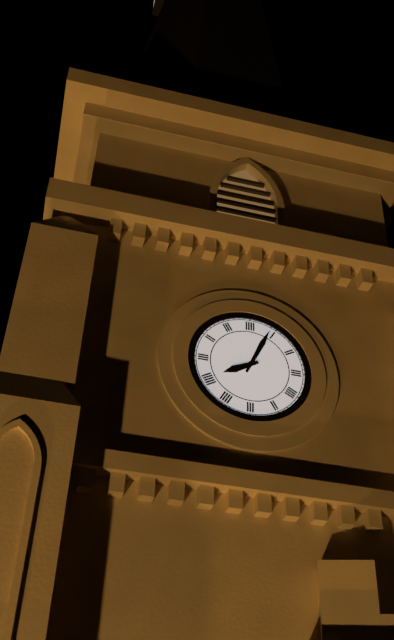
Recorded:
{"hour": 8, "minute": 4}
